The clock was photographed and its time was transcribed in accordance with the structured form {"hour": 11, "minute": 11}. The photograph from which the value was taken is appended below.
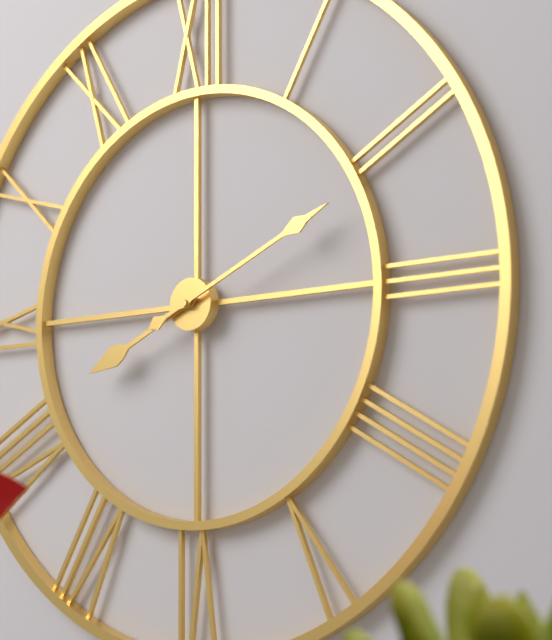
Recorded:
{"hour": 8, "minute": 11}
